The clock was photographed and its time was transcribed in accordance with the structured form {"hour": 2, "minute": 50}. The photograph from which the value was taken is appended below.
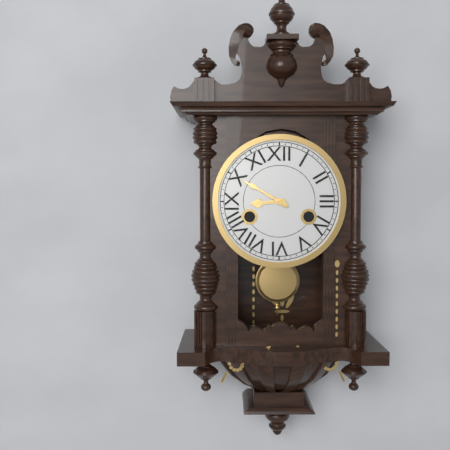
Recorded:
{"hour": 8, "minute": 50}
